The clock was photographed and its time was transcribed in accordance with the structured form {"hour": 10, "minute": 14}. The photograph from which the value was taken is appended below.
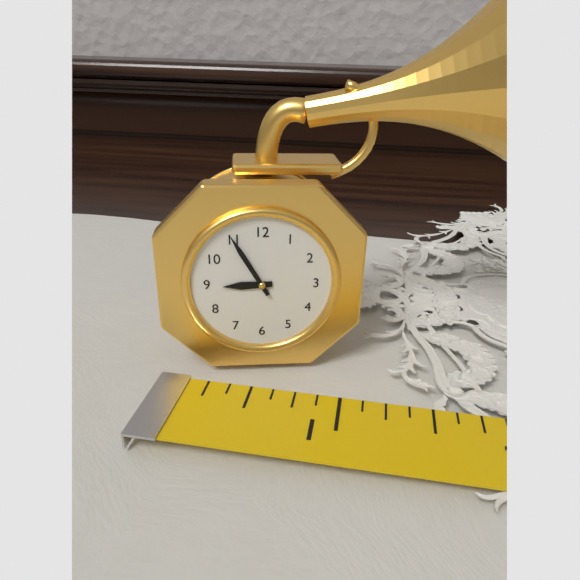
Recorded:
{"hour": 8, "minute": 55}
